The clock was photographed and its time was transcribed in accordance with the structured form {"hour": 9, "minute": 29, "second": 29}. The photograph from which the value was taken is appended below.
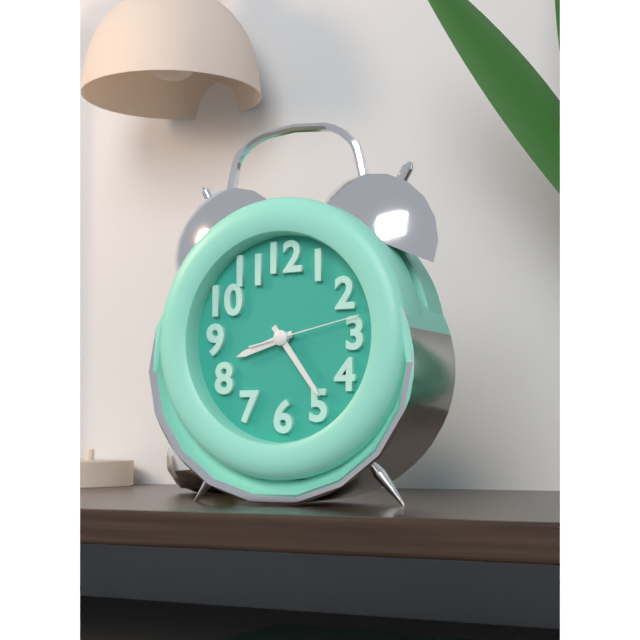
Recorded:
{"hour": 8, "minute": 24, "second": 13}
